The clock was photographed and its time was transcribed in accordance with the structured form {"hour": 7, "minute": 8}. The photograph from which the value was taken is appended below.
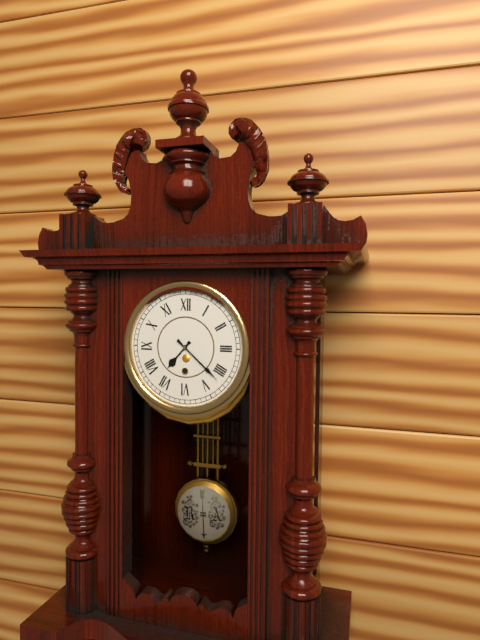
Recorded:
{"hour": 7, "minute": 22}
